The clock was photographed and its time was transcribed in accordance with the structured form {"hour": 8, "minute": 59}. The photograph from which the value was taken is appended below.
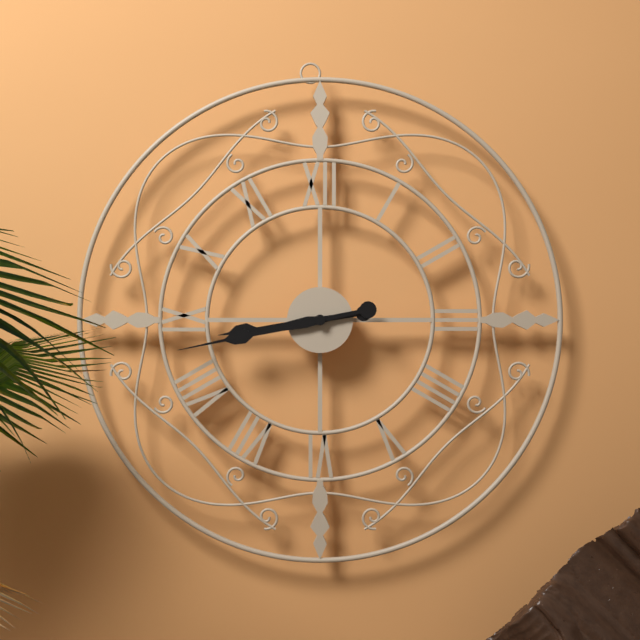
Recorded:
{"hour": 8, "minute": 43}
